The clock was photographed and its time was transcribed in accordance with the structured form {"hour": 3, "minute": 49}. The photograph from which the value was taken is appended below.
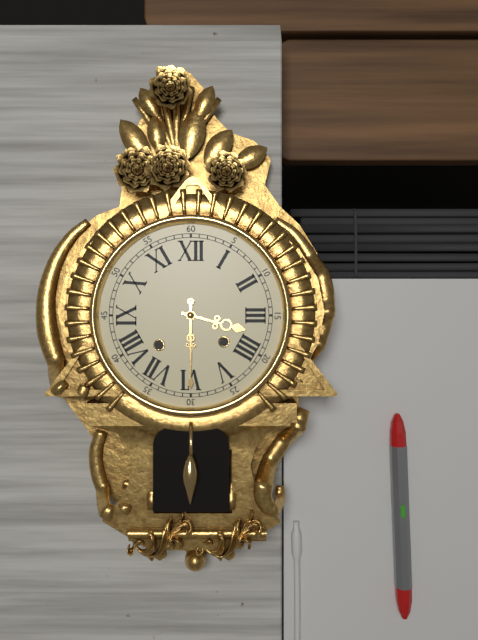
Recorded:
{"hour": 3, "minute": 30}
